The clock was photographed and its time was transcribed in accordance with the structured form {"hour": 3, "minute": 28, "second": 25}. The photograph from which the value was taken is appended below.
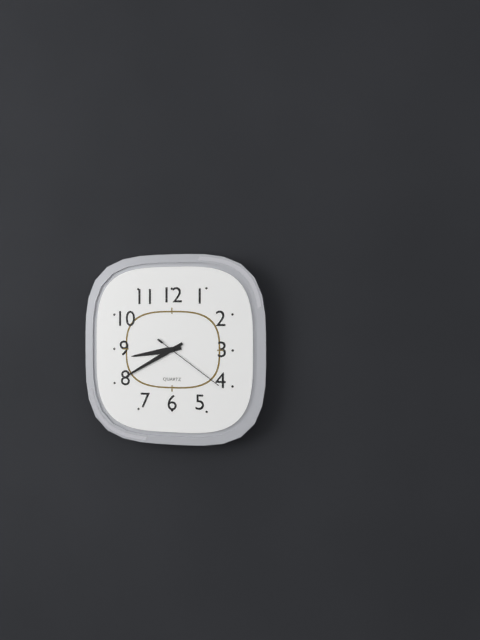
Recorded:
{"hour": 8, "minute": 40, "second": 21}
